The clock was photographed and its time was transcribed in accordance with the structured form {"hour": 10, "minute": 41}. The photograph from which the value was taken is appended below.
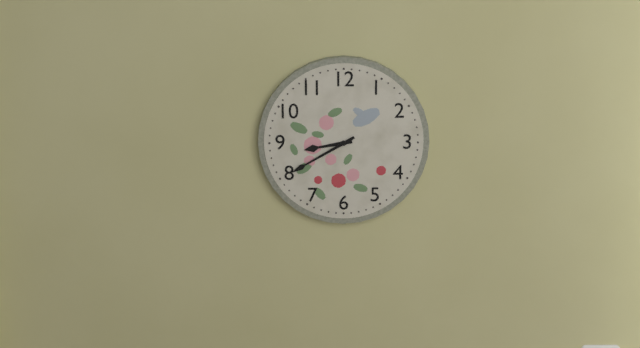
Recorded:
{"hour": 8, "minute": 40}
